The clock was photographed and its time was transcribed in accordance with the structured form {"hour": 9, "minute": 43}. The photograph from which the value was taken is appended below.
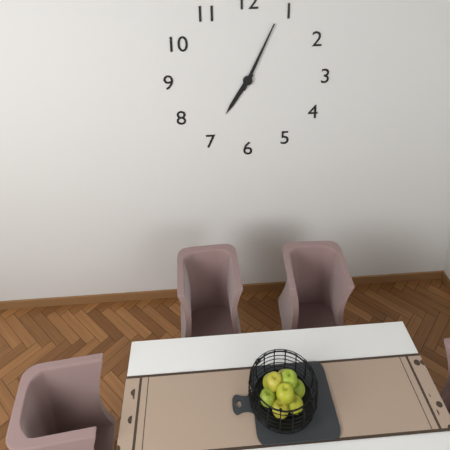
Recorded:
{"hour": 7, "minute": 4}
